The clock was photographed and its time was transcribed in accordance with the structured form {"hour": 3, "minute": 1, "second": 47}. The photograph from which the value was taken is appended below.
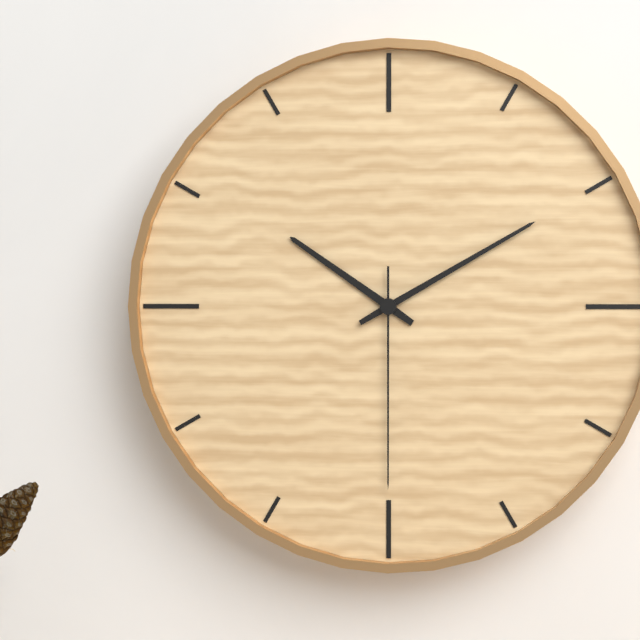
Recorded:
{"hour": 10, "minute": 10, "second": 30}
